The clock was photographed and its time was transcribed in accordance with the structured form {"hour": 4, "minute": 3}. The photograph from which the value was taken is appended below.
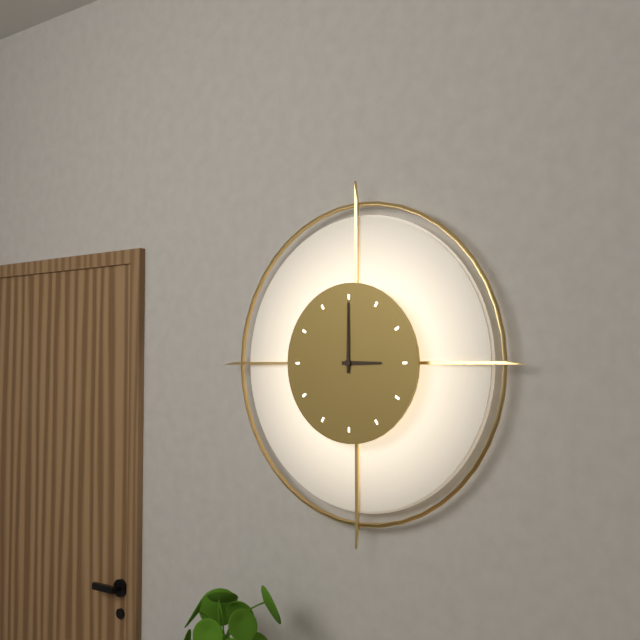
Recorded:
{"hour": 3, "minute": 0}
